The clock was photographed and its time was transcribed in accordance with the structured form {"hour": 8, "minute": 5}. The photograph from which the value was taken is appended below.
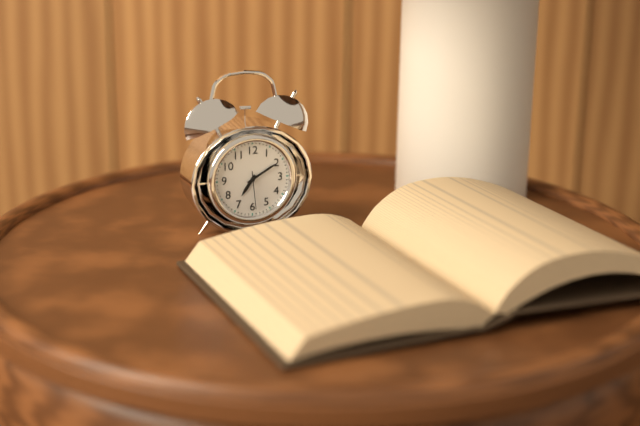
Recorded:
{"hour": 7, "minute": 10}
